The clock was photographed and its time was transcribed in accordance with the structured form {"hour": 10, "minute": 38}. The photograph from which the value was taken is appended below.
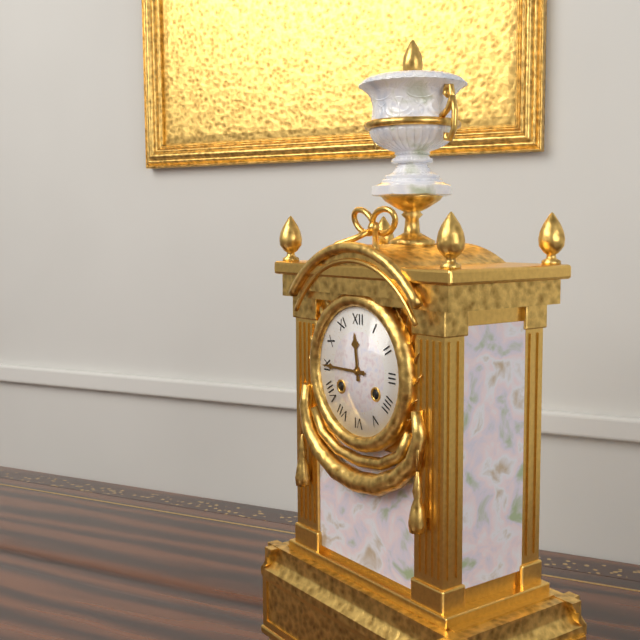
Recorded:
{"hour": 11, "minute": 45}
